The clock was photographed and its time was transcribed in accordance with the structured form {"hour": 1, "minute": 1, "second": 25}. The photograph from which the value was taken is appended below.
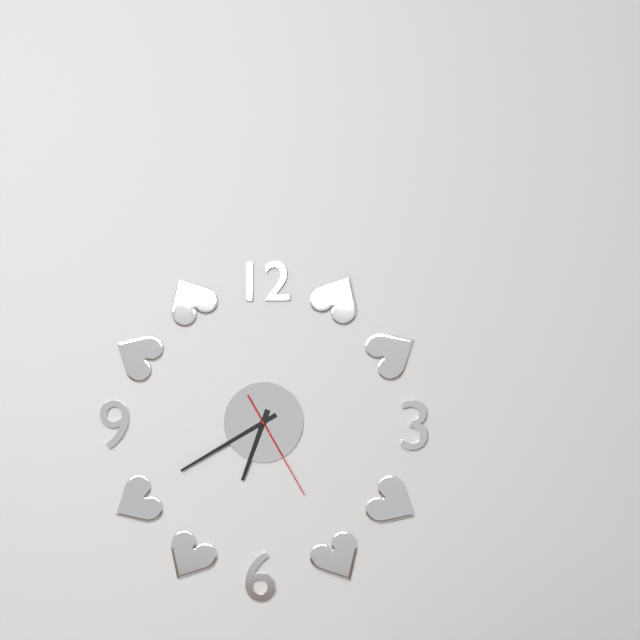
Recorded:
{"hour": 6, "minute": 40, "second": 25}
